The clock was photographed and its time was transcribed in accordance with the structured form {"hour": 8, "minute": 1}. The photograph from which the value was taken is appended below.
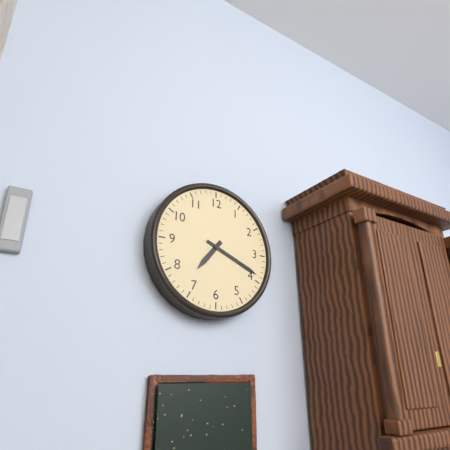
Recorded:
{"hour": 7, "minute": 19}
